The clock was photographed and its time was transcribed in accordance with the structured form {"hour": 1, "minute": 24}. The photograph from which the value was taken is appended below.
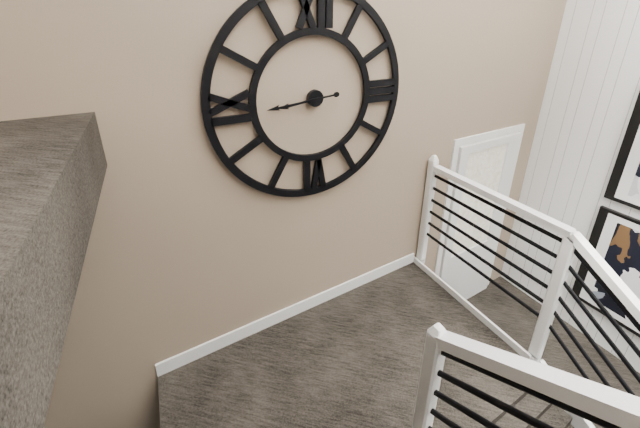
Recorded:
{"hour": 8, "minute": 44}
